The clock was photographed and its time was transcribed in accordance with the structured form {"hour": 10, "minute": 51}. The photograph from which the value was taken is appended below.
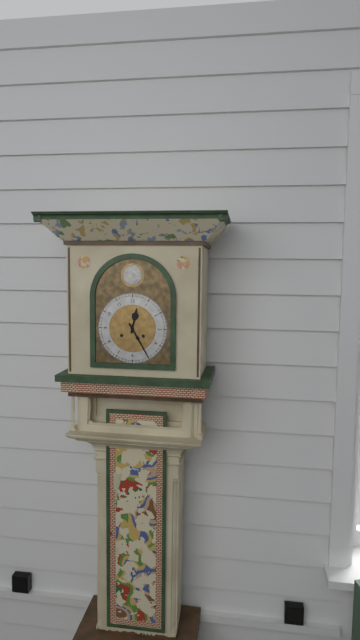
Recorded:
{"hour": 12, "minute": 25}
